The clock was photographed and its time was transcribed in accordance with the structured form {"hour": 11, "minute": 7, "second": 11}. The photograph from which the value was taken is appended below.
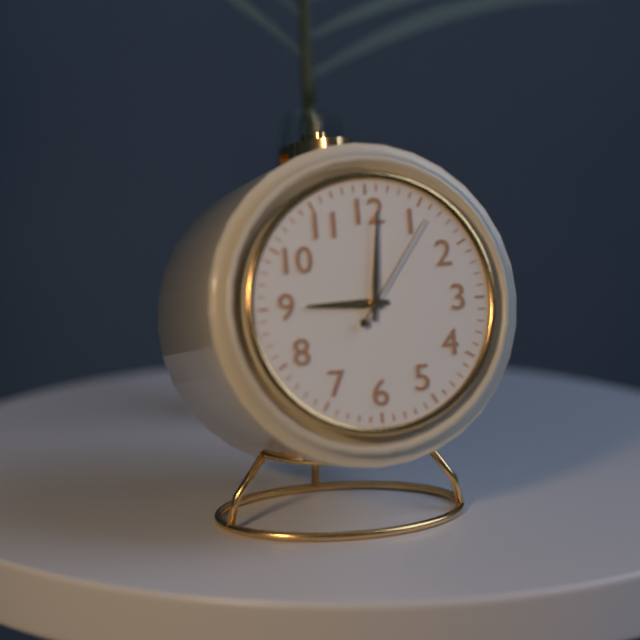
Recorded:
{"hour": 9, "minute": 1, "second": 6}
